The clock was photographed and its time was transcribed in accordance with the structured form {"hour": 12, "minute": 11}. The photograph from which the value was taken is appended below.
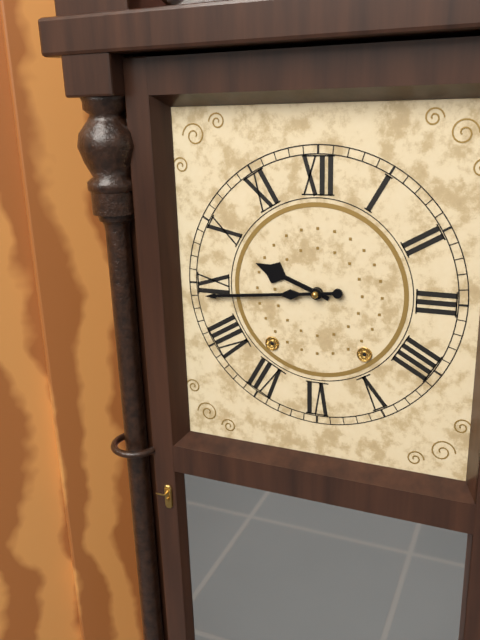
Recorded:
{"hour": 9, "minute": 44}
